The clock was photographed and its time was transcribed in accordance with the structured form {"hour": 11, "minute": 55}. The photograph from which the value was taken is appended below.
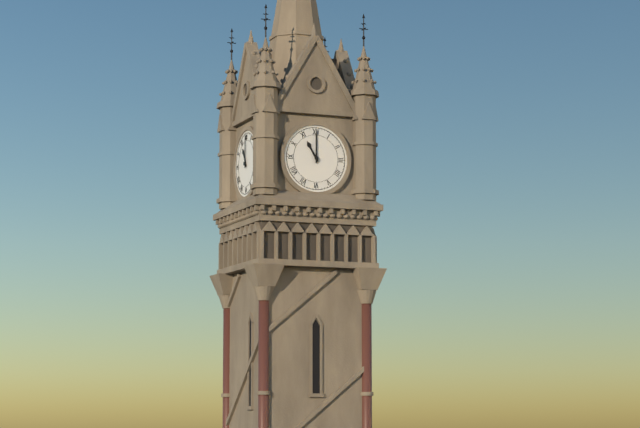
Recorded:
{"hour": 11, "minute": 0}
